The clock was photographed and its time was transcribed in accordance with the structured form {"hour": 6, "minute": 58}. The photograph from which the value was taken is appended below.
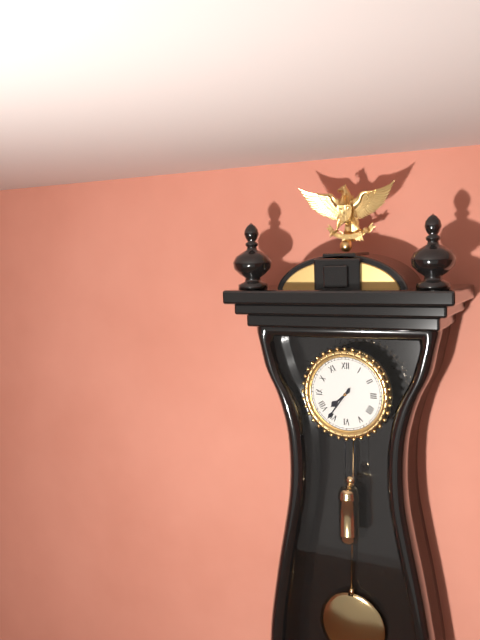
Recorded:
{"hour": 7, "minute": 36}
